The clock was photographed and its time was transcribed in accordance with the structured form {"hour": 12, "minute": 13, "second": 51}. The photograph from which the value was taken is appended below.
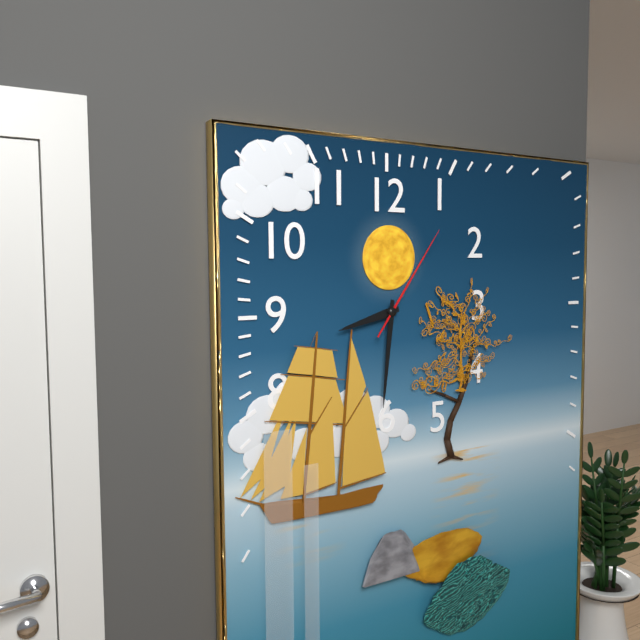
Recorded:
{"hour": 8, "minute": 31, "second": 6}
